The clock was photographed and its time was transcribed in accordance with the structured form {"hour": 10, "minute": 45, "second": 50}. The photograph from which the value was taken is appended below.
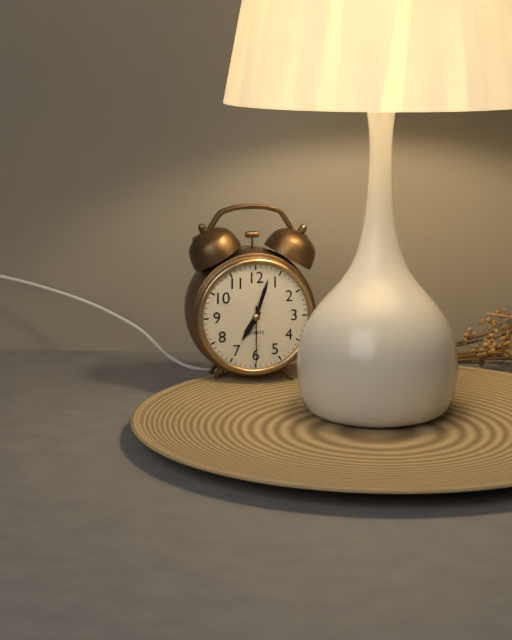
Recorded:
{"hour": 7, "minute": 3, "second": 30}
